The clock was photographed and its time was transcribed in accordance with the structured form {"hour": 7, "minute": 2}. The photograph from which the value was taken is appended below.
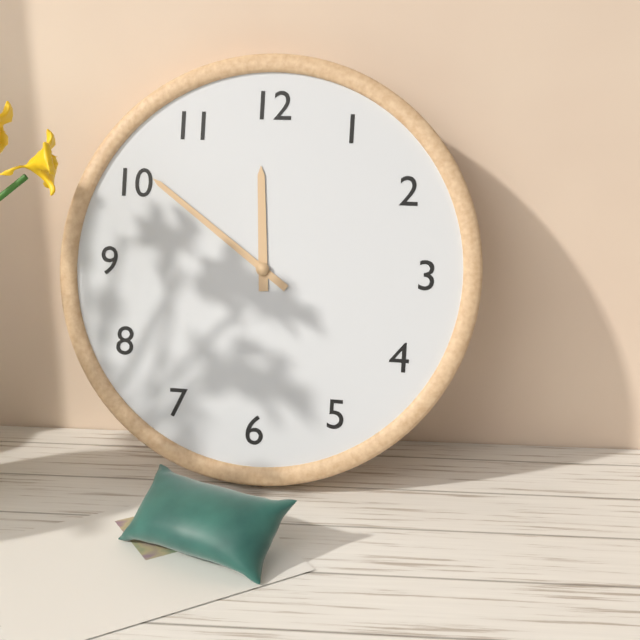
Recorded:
{"hour": 11, "minute": 51}
